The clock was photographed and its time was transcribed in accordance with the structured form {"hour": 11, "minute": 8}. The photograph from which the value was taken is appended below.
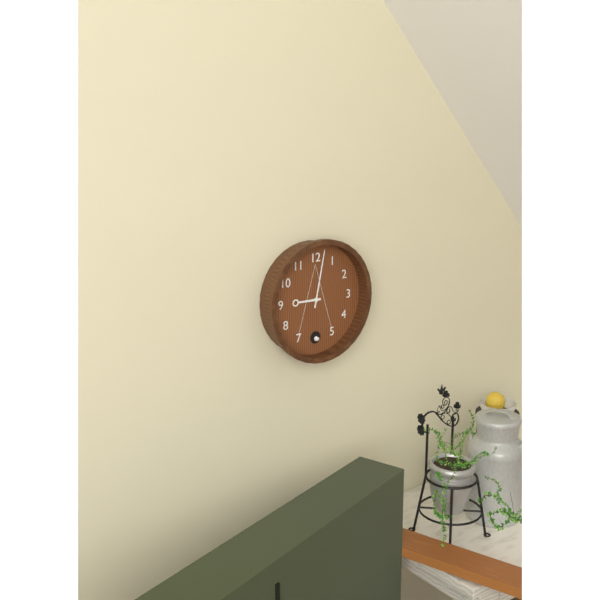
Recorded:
{"hour": 9, "minute": 2}
